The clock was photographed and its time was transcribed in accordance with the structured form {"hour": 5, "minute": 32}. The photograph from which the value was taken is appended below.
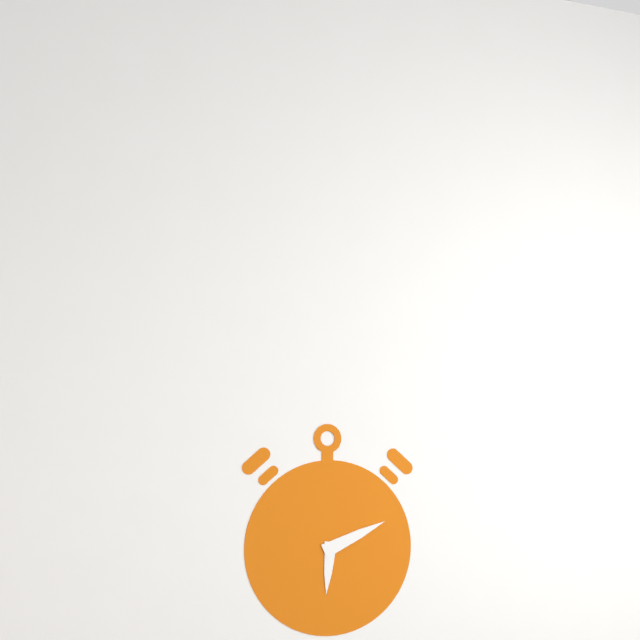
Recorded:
{"hour": 6, "minute": 11}
